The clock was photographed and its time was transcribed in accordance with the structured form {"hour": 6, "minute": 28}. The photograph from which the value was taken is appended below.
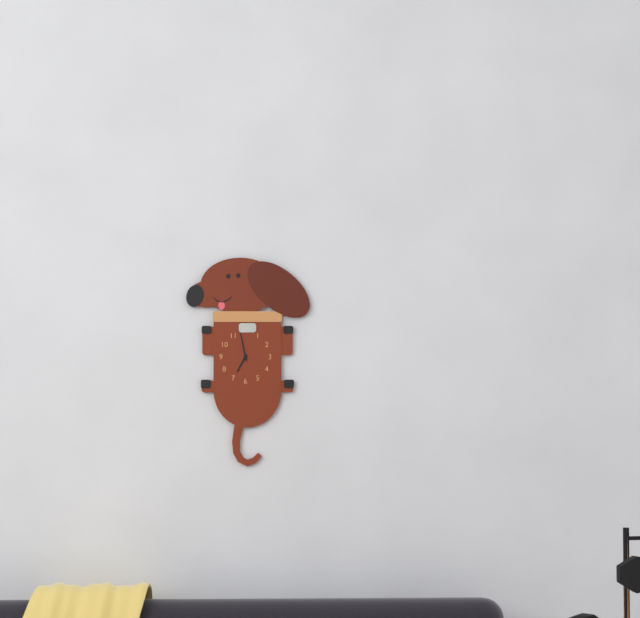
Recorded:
{"hour": 6, "minute": 58}
